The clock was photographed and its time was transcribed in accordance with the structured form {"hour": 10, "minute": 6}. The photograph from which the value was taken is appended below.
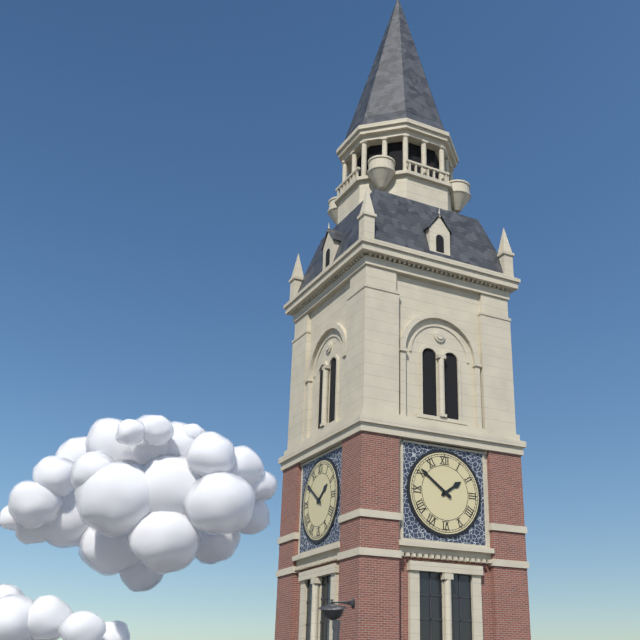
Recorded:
{"hour": 1, "minute": 51}
